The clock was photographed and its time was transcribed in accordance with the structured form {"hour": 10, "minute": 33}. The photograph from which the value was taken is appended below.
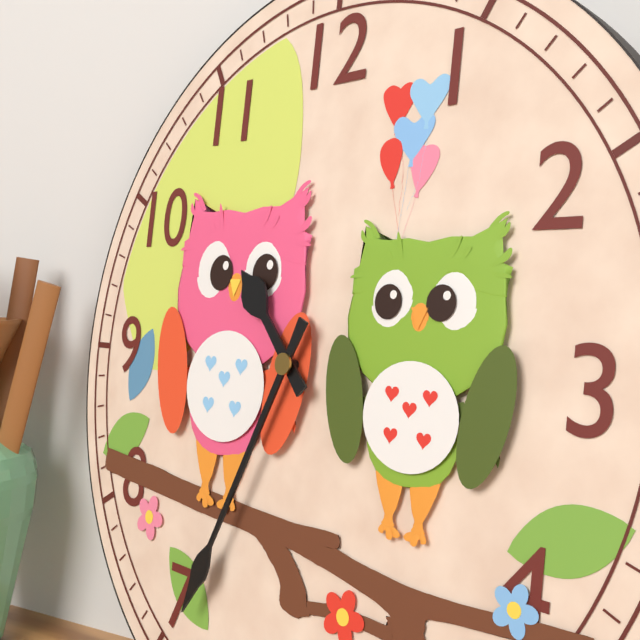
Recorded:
{"hour": 10, "minute": 34}
